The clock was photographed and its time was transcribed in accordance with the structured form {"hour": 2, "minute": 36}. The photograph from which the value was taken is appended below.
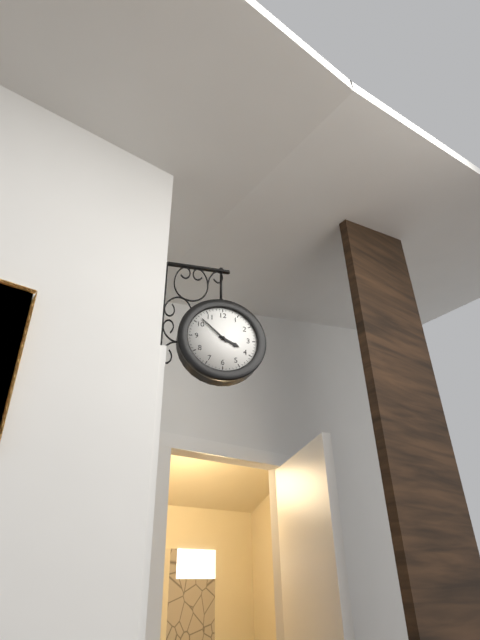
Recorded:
{"hour": 3, "minute": 52}
